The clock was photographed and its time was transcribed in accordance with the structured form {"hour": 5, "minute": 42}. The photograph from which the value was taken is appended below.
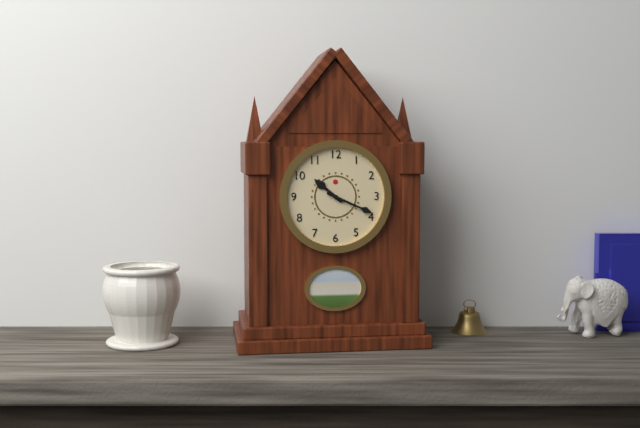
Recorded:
{"hour": 10, "minute": 19}
